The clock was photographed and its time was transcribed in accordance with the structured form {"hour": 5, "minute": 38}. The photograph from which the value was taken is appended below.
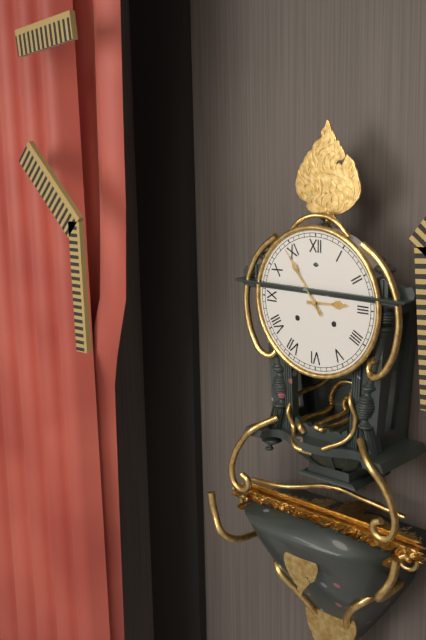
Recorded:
{"hour": 2, "minute": 54}
